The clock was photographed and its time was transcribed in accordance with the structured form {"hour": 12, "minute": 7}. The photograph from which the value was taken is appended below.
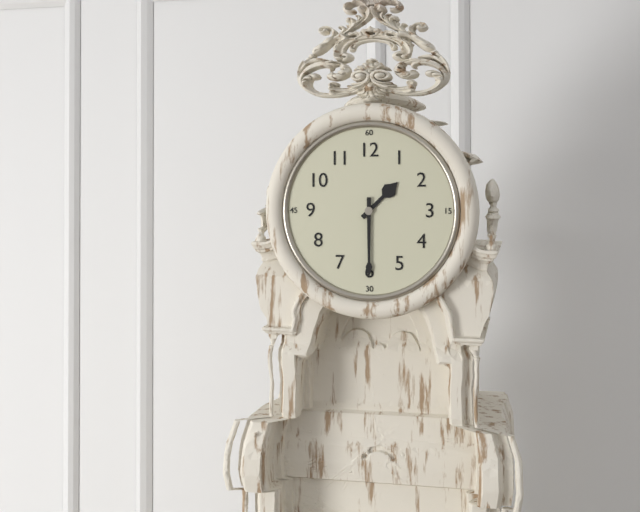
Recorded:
{"hour": 1, "minute": 30}
